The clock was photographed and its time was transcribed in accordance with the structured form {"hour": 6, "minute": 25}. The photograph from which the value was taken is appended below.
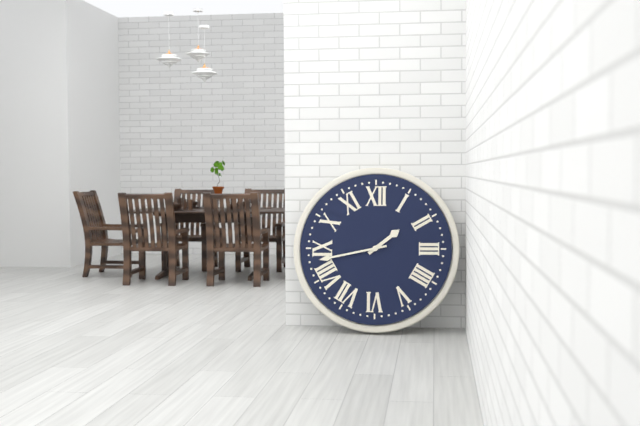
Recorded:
{"hour": 1, "minute": 43}
